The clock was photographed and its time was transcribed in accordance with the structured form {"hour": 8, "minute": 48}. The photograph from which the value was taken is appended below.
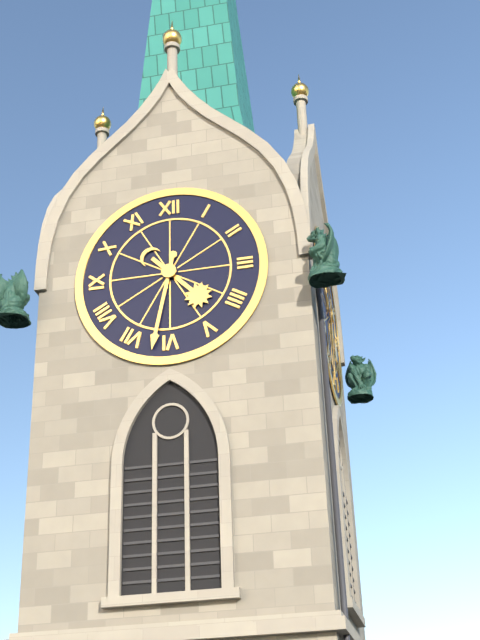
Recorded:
{"hour": 4, "minute": 32}
